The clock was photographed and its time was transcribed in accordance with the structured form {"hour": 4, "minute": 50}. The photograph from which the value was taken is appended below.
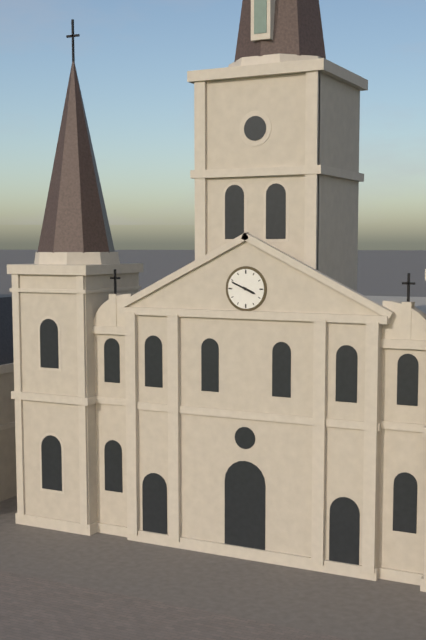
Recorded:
{"hour": 3, "minute": 49}
